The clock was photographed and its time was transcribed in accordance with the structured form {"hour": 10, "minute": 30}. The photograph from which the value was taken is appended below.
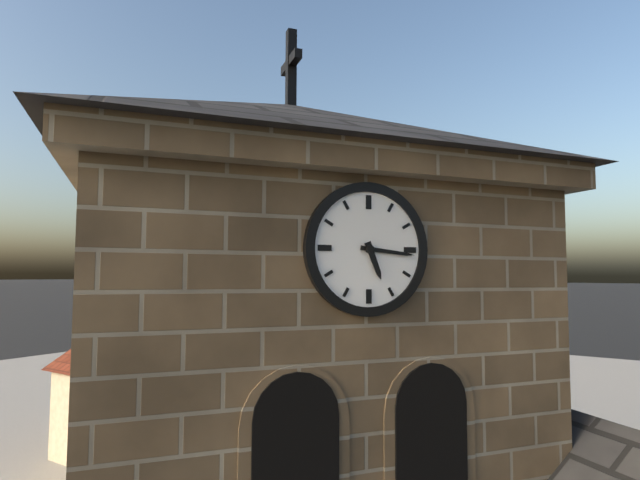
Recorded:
{"hour": 5, "minute": 16}
